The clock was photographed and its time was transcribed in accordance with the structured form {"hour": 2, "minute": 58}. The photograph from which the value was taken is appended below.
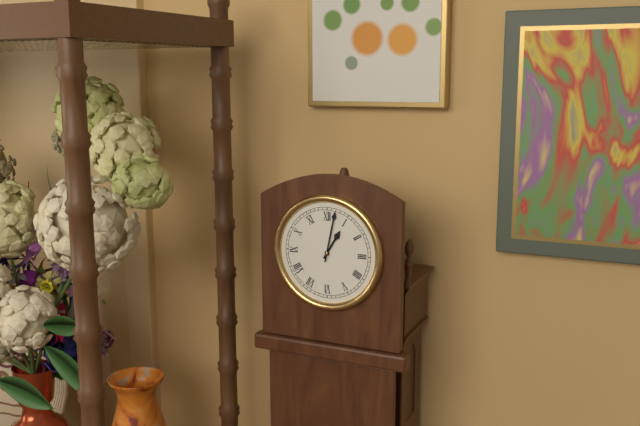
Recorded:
{"hour": 1, "minute": 2}
